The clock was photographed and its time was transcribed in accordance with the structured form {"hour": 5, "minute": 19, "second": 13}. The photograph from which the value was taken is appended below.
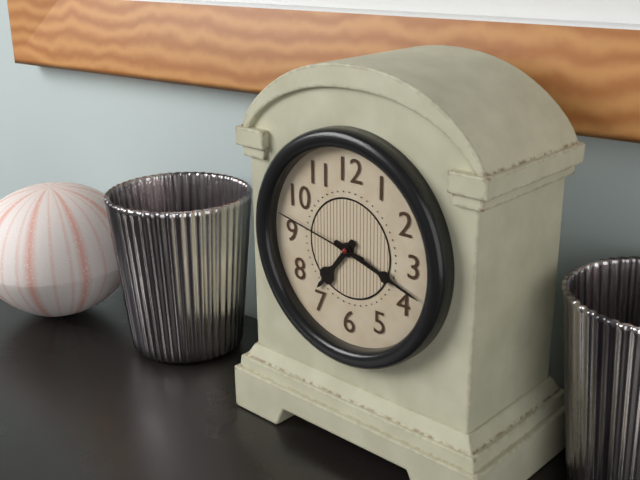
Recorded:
{"hour": 7, "minute": 18, "second": 47}
